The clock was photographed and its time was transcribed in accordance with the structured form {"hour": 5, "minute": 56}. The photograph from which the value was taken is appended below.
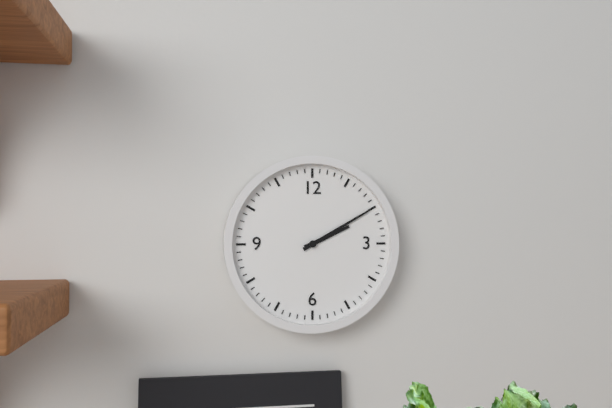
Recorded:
{"hour": 2, "minute": 10}
